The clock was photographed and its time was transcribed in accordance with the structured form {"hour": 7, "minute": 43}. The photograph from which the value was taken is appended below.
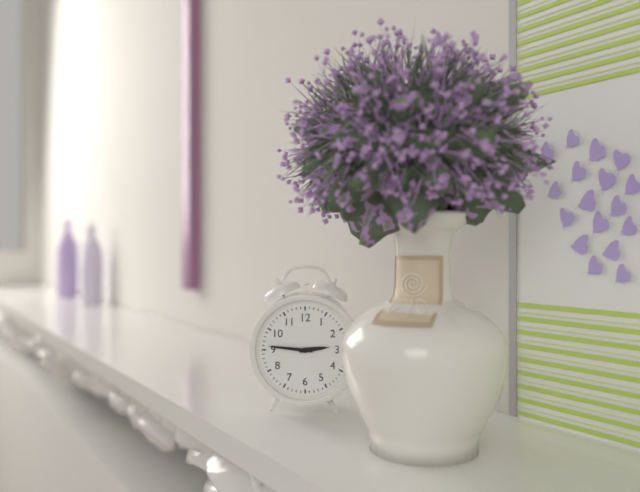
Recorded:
{"hour": 2, "minute": 46}
